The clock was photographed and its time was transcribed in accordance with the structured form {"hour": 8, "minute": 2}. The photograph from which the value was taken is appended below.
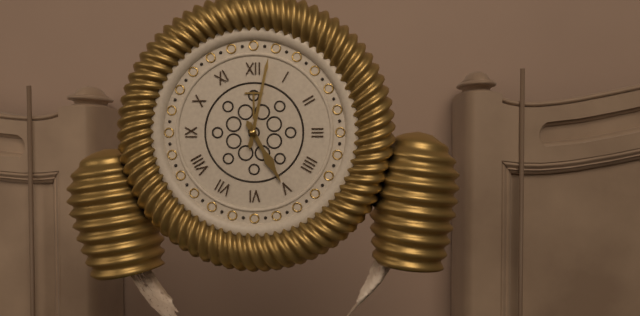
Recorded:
{"hour": 5, "minute": 2}
